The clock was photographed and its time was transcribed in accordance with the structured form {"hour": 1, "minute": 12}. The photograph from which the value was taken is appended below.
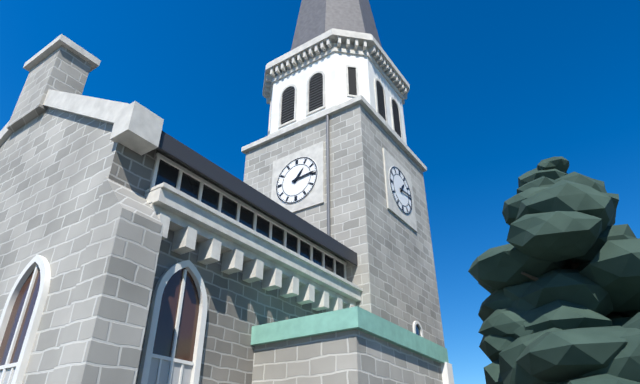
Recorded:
{"hour": 1, "minute": 14}
